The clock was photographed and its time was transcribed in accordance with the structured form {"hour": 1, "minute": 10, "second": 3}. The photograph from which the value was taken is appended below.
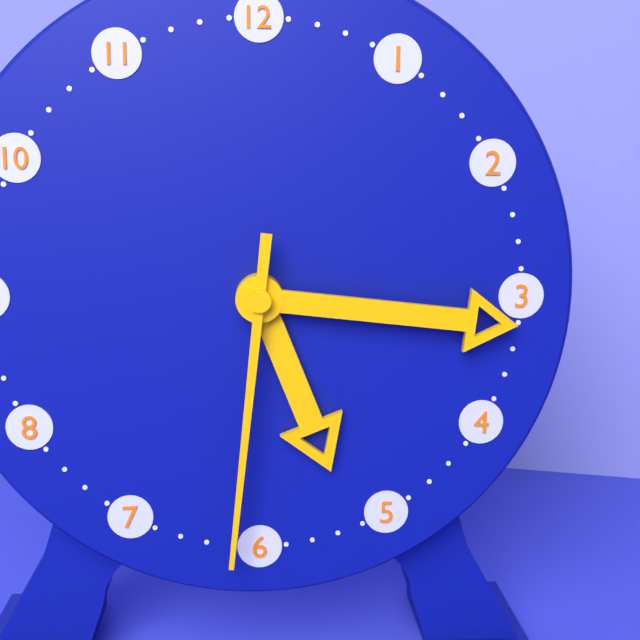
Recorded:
{"hour": 5, "minute": 16, "second": 31}
